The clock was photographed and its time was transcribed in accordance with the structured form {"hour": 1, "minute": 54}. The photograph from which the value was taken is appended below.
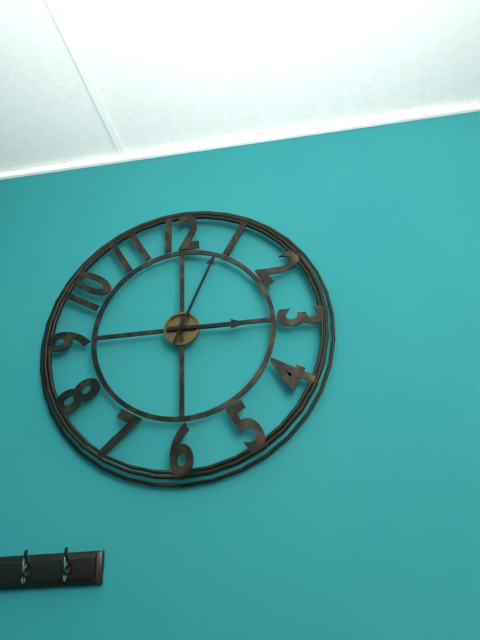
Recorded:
{"hour": 3, "minute": 4}
